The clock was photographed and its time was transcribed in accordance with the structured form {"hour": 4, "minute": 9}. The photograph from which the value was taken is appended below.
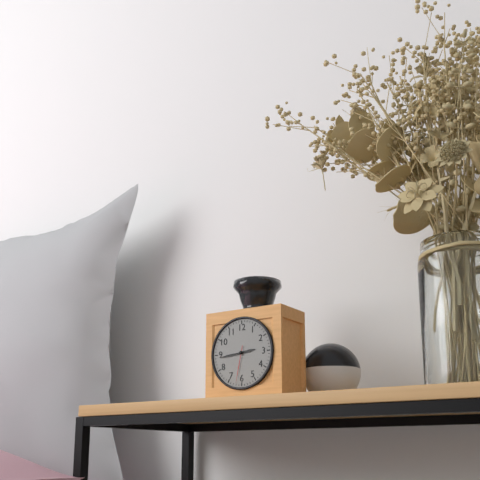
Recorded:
{"hour": 2, "minute": 44}
